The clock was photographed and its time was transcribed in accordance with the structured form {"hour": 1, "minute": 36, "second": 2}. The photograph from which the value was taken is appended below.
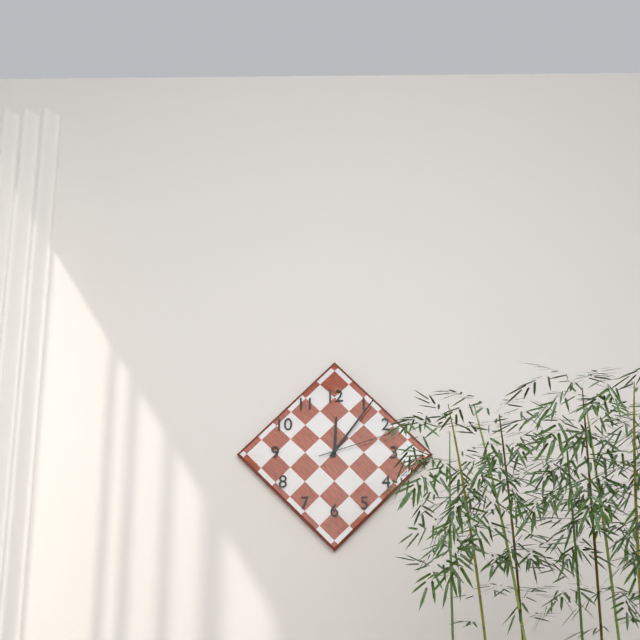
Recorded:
{"hour": 12, "minute": 6, "second": 12}
